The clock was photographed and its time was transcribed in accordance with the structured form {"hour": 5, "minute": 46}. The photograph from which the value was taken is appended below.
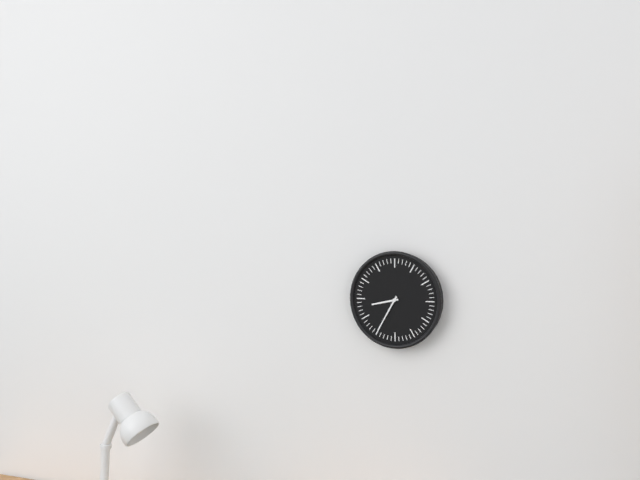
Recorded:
{"hour": 8, "minute": 35}
